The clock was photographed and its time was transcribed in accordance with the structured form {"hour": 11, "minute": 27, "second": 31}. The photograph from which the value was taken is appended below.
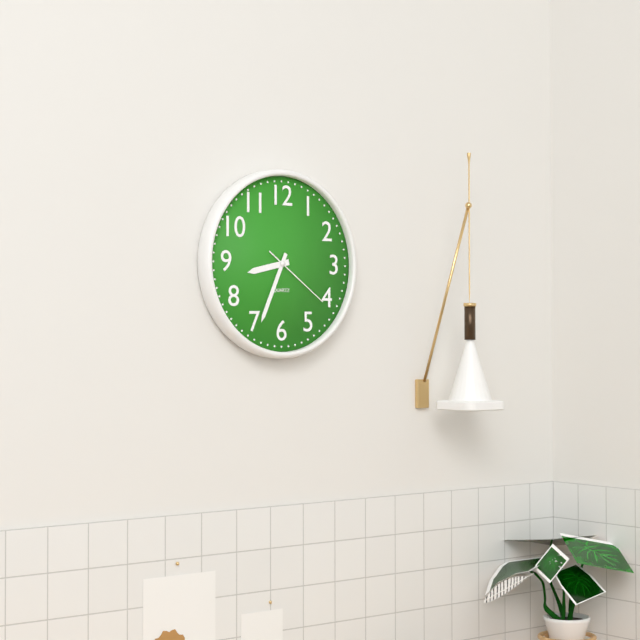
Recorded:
{"hour": 8, "minute": 34, "second": 21}
